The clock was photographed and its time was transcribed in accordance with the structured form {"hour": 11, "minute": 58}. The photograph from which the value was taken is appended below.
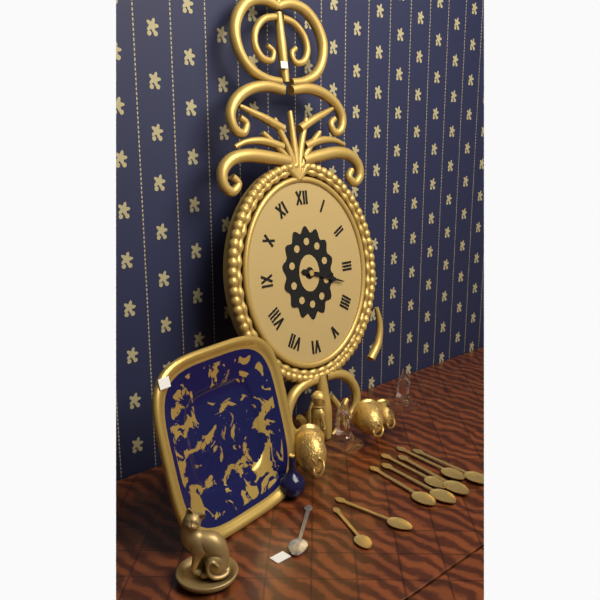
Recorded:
{"hour": 3, "minute": 18}
